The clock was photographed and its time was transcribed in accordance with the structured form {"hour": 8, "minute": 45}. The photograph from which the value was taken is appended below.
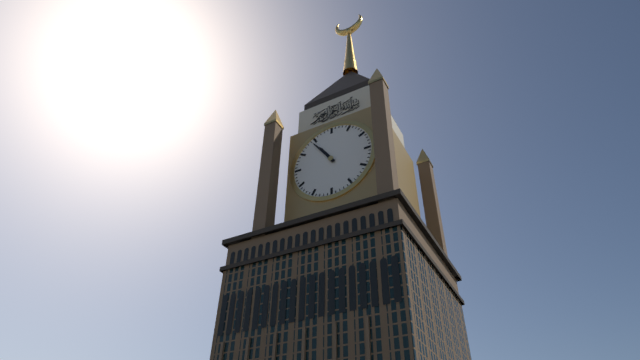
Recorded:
{"hour": 10, "minute": 54}
